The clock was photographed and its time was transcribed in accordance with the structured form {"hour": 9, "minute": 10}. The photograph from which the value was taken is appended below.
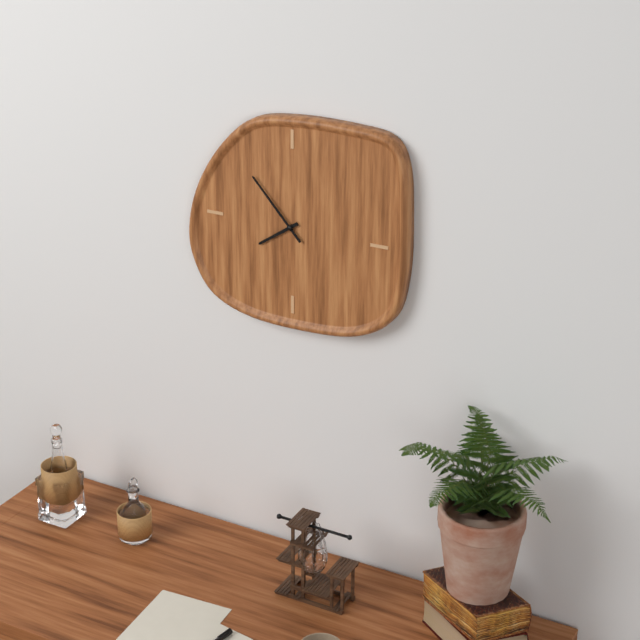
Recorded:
{"hour": 7, "minute": 53}
